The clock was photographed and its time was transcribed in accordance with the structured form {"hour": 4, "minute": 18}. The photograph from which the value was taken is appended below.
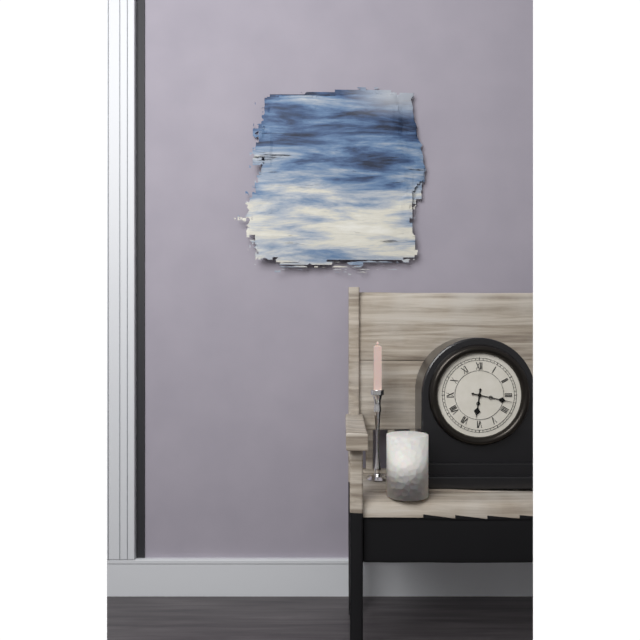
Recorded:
{"hour": 6, "minute": 17}
